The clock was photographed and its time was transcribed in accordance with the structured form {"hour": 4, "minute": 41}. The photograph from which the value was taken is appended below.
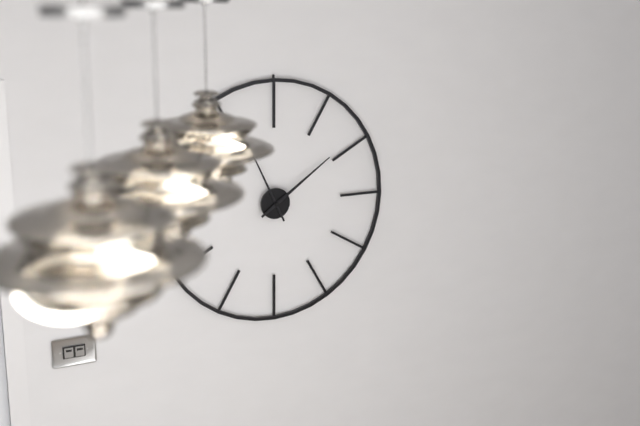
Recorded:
{"hour": 11, "minute": 9}
